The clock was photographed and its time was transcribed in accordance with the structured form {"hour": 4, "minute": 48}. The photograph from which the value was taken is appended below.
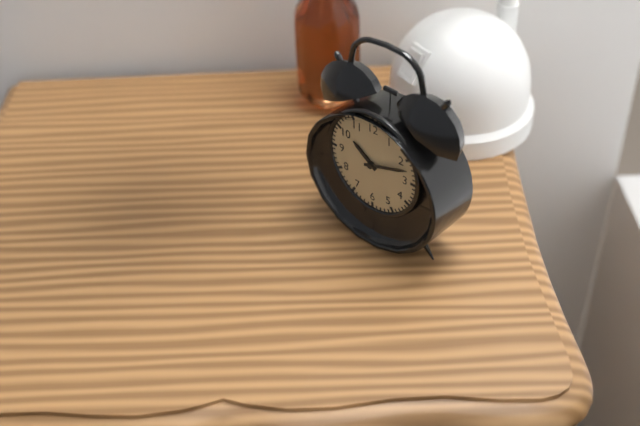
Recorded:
{"hour": 10, "minute": 12}
